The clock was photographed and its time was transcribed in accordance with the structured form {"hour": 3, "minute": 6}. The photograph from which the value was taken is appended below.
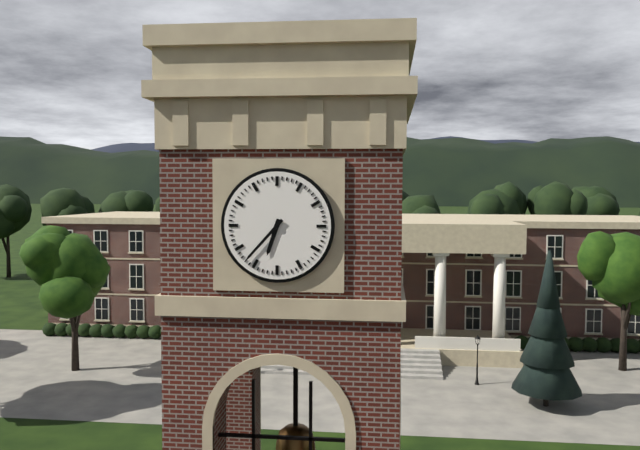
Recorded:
{"hour": 6, "minute": 37}
